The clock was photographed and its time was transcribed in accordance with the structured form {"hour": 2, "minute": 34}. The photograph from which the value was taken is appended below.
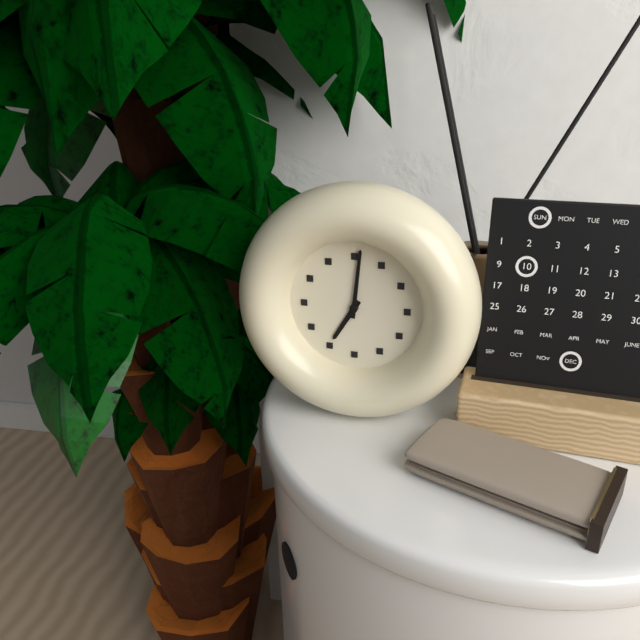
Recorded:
{"hour": 7, "minute": 1}
